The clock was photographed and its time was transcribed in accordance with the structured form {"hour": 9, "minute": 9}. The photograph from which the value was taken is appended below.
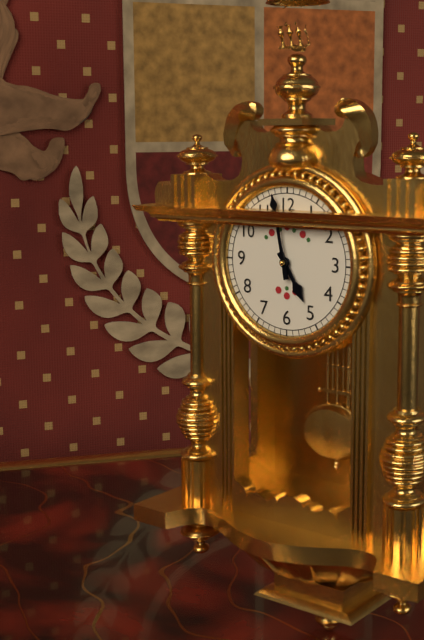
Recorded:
{"hour": 4, "minute": 58}
